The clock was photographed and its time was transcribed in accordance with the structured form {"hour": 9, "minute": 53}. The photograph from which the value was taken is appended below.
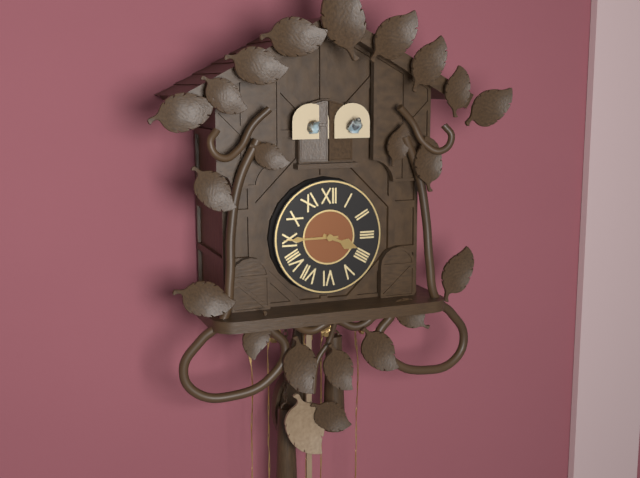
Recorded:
{"hour": 3, "minute": 45}
